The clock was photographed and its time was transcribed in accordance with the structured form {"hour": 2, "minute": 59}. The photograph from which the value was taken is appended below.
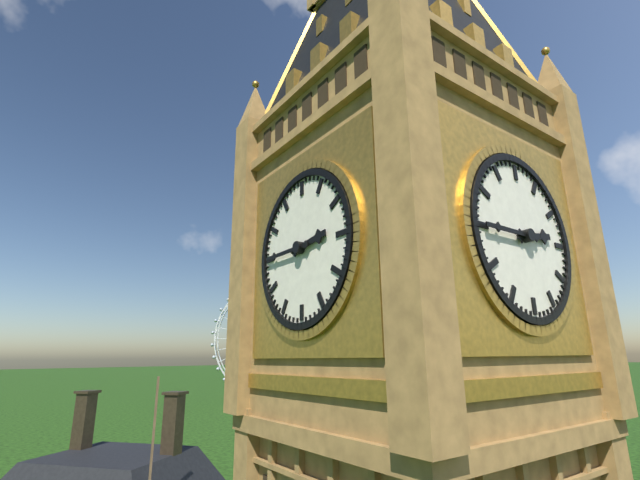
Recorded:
{"hour": 2, "minute": 45}
